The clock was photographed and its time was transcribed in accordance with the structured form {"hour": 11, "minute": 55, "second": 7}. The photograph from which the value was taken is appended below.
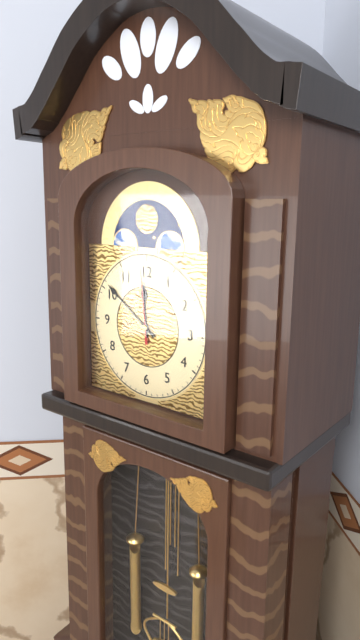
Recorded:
{"hour": 11, "minute": 51, "second": 59}
